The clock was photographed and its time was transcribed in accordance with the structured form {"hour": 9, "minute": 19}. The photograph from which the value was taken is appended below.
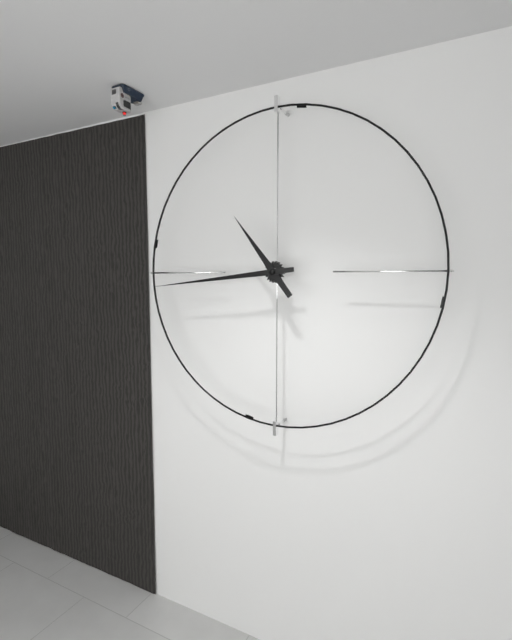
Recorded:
{"hour": 10, "minute": 44}
